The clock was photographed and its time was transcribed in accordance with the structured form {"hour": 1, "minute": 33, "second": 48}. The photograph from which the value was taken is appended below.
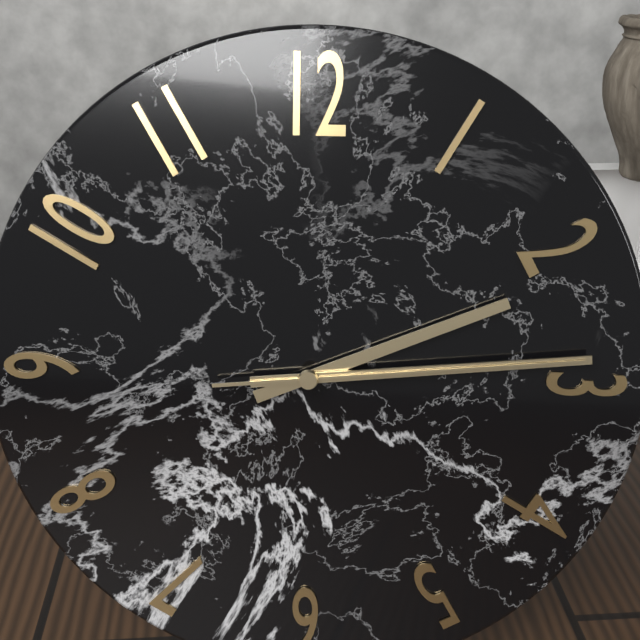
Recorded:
{"hour": 2, "minute": 14, "second": 14}
